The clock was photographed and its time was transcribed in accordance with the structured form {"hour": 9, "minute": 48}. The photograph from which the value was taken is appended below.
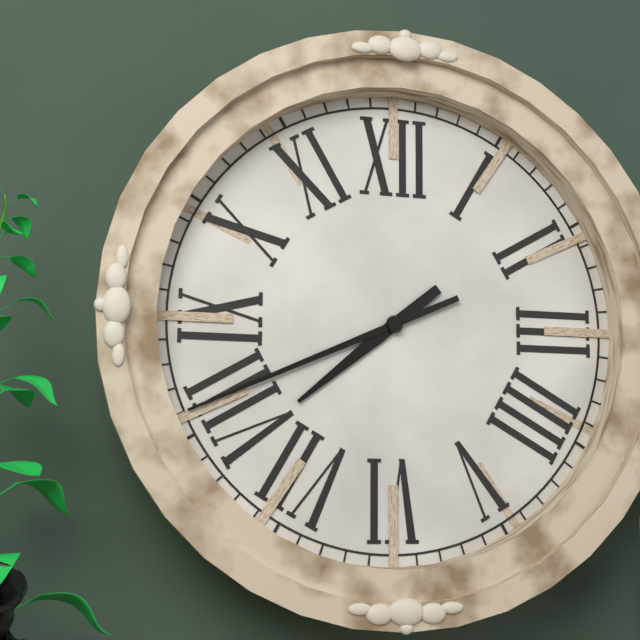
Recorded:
{"hour": 7, "minute": 41}
